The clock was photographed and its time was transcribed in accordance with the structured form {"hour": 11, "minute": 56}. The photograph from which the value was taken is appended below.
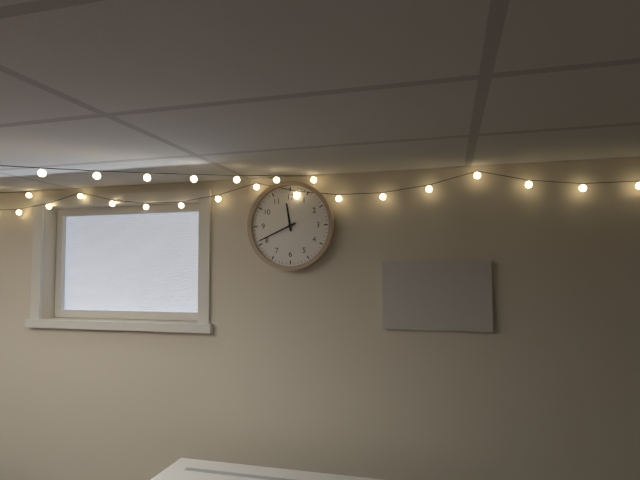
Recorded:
{"hour": 11, "minute": 41}
